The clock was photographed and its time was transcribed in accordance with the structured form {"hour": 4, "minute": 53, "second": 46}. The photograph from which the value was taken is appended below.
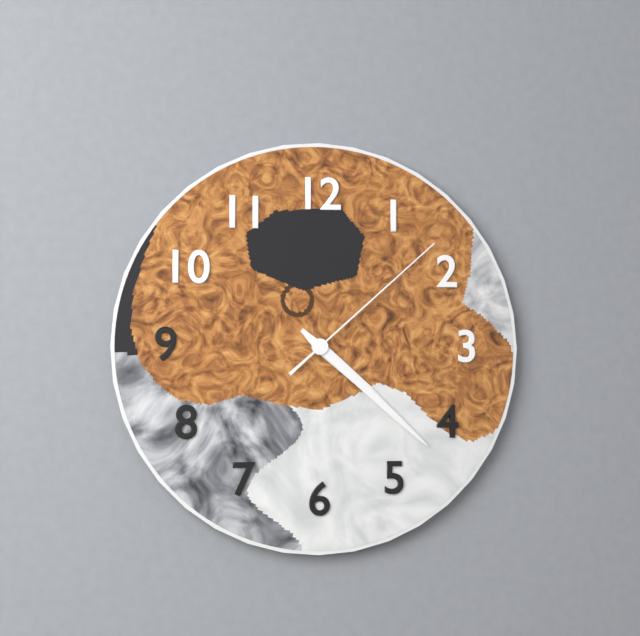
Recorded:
{"hour": 4, "minute": 22, "second": 8}
